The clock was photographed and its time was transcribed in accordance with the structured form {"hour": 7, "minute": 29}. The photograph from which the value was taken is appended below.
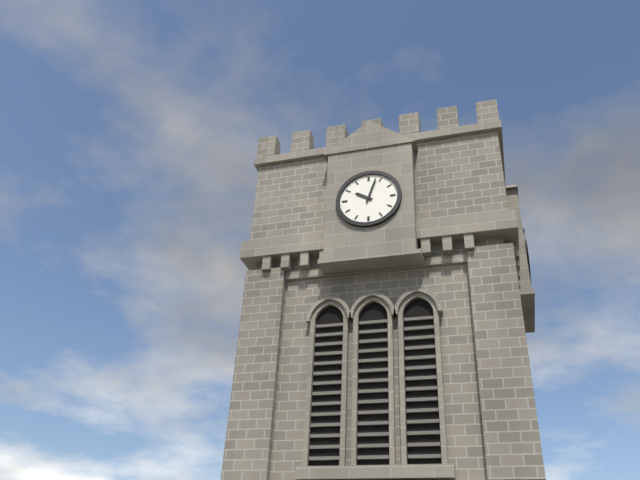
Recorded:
{"hour": 10, "minute": 3}
